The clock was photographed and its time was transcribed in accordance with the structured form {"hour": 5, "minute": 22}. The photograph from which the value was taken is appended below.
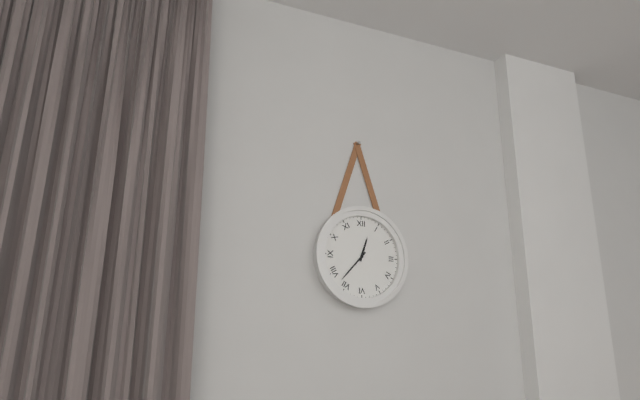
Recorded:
{"hour": 12, "minute": 37}
